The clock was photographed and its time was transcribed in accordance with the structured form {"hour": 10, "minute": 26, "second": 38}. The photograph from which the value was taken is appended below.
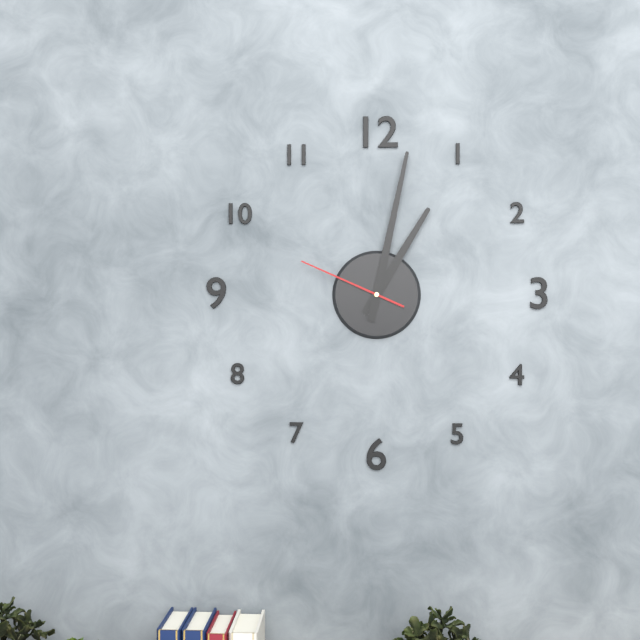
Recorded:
{"hour": 1, "minute": 2, "second": 49}
